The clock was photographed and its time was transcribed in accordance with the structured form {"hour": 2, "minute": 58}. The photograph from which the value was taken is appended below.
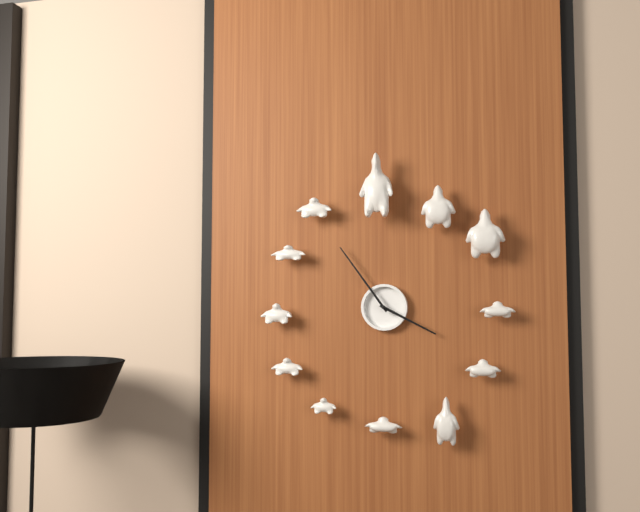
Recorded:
{"hour": 3, "minute": 54}
